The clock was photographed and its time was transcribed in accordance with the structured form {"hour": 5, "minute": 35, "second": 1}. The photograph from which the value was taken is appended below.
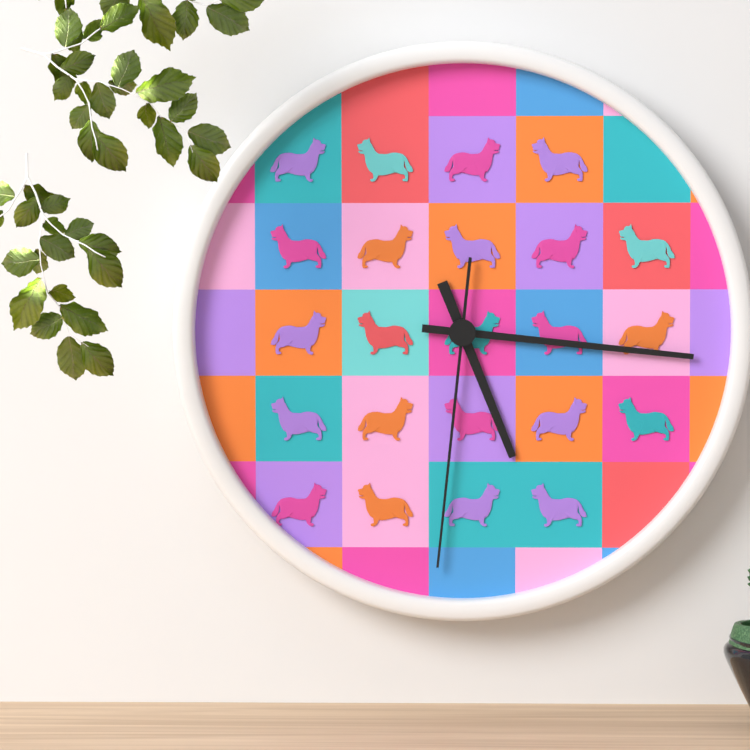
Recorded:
{"hour": 5, "minute": 16, "second": 31}
